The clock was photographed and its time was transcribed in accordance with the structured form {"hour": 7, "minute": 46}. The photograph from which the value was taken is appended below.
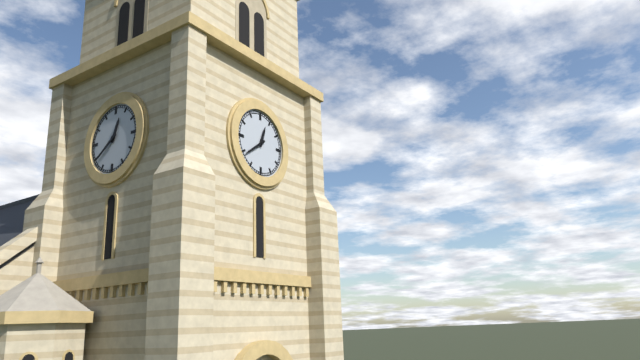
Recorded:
{"hour": 12, "minute": 39}
